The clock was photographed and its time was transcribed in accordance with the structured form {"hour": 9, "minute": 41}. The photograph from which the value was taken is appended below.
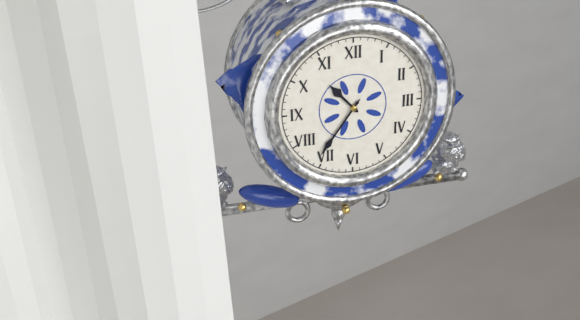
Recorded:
{"hour": 10, "minute": 36}
